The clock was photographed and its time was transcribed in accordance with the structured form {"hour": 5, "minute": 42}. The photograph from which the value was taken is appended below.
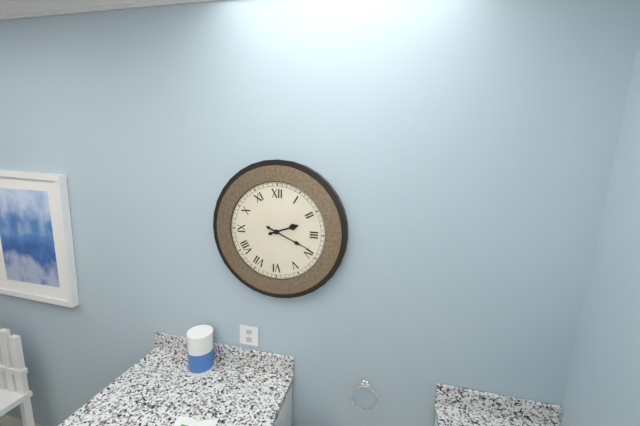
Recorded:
{"hour": 2, "minute": 19}
